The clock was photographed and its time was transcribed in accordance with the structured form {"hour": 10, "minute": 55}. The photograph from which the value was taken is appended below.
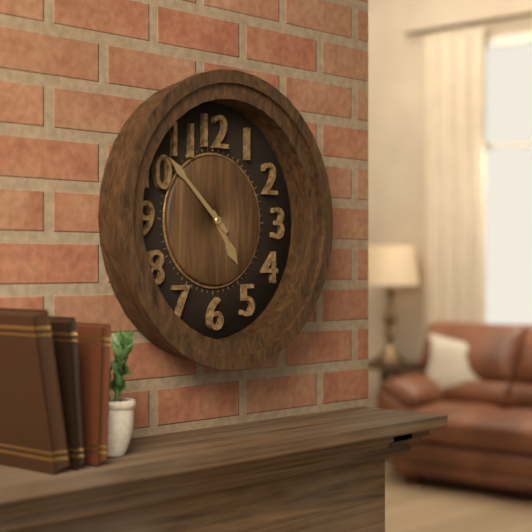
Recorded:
{"hour": 4, "minute": 52}
